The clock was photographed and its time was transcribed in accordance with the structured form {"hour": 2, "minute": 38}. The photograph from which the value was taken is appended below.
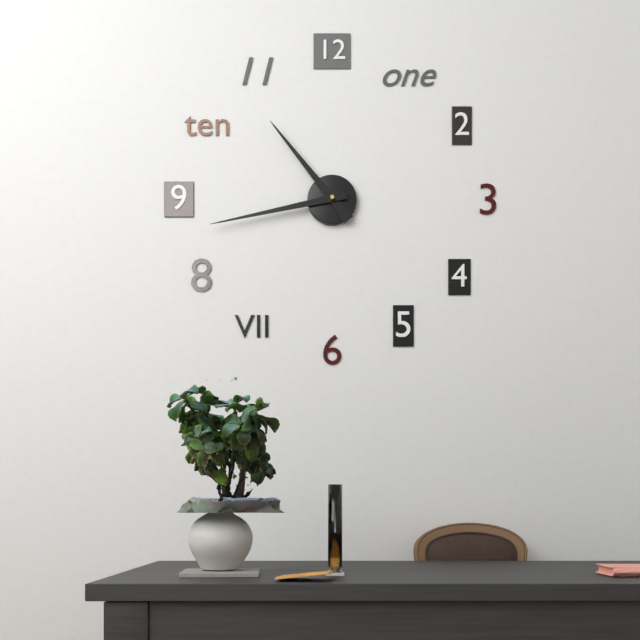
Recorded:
{"hour": 10, "minute": 43}
